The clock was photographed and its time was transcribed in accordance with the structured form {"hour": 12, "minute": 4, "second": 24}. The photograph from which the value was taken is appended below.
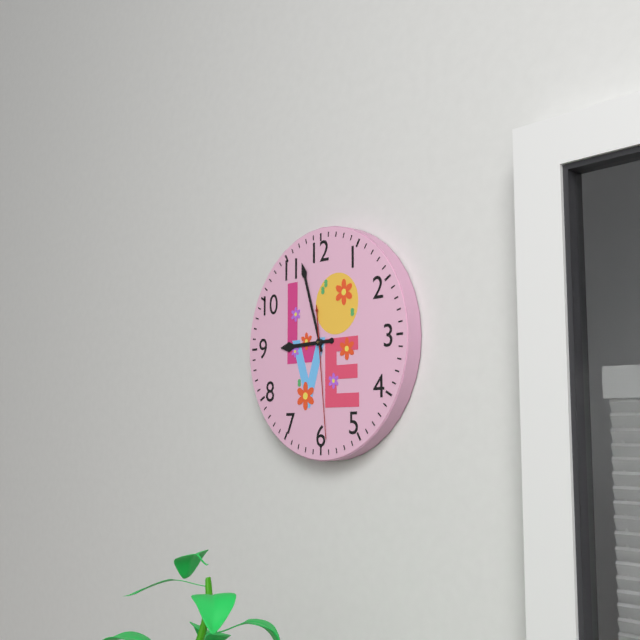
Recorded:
{"hour": 8, "minute": 57, "second": 29}
